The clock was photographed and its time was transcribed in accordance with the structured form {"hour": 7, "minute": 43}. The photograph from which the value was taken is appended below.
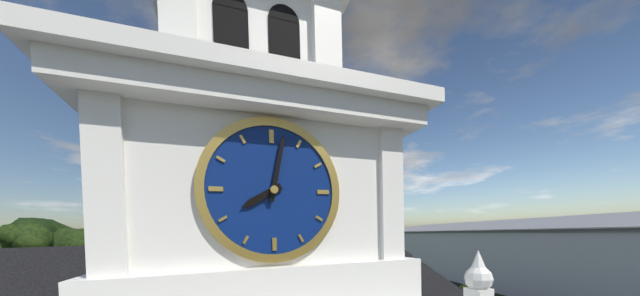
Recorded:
{"hour": 8, "minute": 2}
